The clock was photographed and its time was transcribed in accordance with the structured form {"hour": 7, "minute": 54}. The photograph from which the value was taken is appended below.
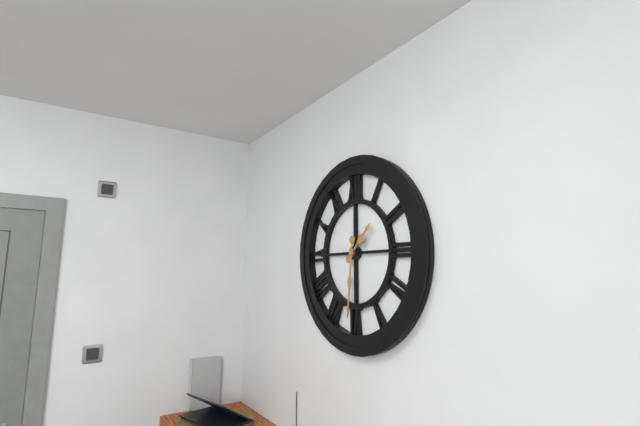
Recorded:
{"hour": 1, "minute": 31}
